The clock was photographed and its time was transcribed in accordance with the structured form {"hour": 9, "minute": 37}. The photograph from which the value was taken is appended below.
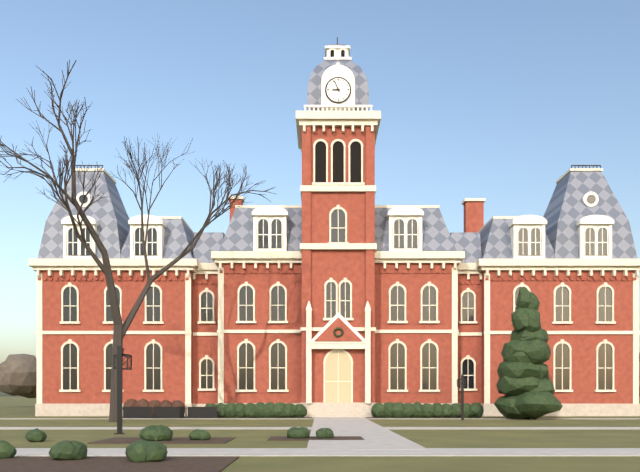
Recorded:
{"hour": 8, "minute": 56}
